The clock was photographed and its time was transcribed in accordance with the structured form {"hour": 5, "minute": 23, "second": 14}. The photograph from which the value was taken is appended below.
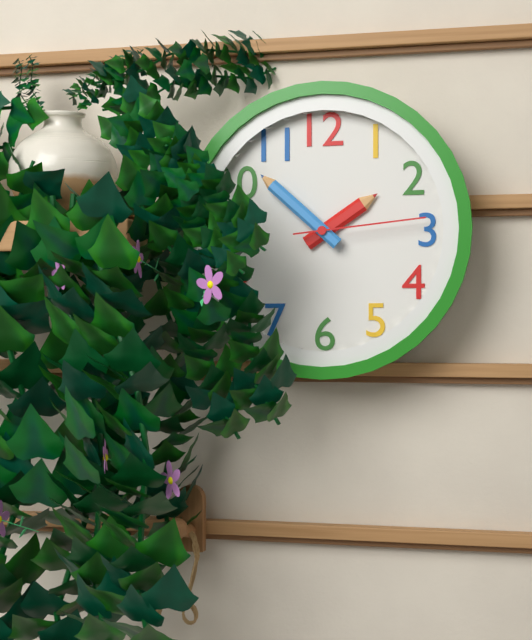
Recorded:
{"hour": 1, "minute": 52, "second": 14}
